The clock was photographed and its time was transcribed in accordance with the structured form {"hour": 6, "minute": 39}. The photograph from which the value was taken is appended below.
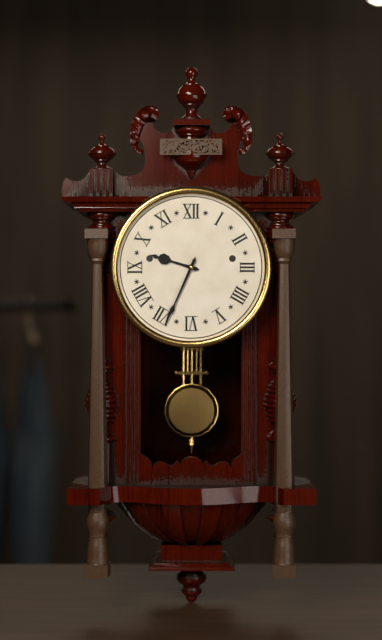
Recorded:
{"hour": 9, "minute": 34}
